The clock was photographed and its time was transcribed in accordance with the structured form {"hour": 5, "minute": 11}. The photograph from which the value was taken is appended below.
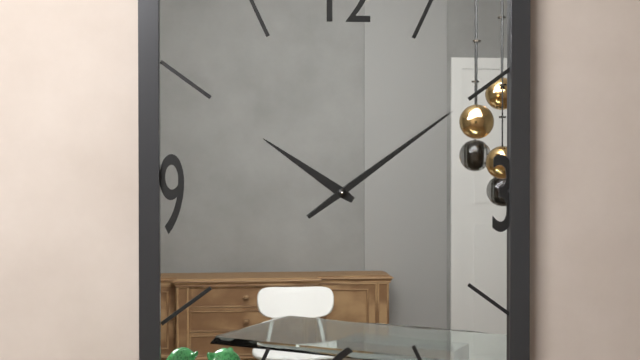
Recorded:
{"hour": 10, "minute": 9}
